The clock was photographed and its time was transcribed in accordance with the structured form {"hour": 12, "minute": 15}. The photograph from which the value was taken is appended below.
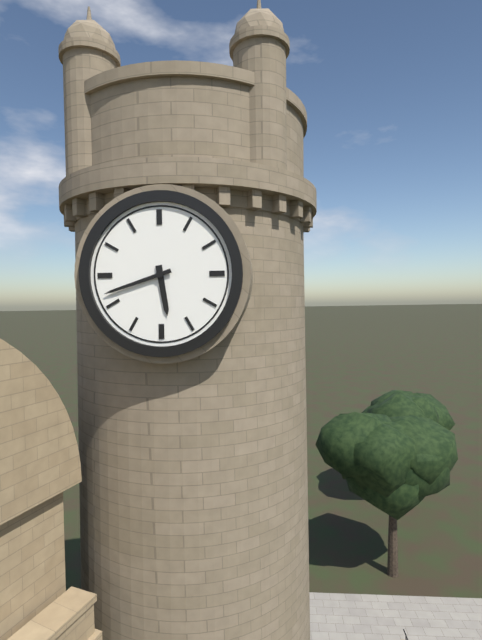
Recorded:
{"hour": 5, "minute": 42}
